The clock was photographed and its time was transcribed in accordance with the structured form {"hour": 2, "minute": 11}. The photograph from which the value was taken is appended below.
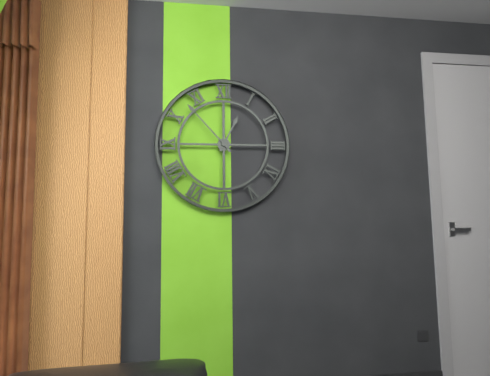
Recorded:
{"hour": 12, "minute": 53}
